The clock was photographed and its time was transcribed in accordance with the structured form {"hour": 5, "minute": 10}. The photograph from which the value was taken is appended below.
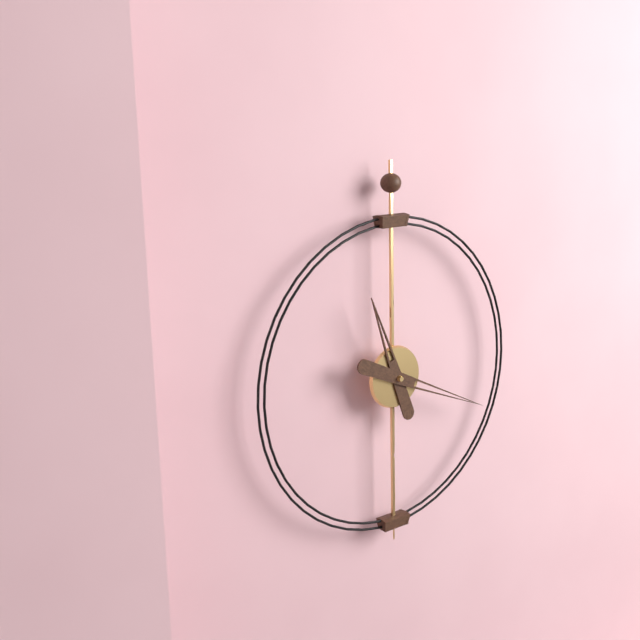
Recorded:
{"hour": 11, "minute": 19}
